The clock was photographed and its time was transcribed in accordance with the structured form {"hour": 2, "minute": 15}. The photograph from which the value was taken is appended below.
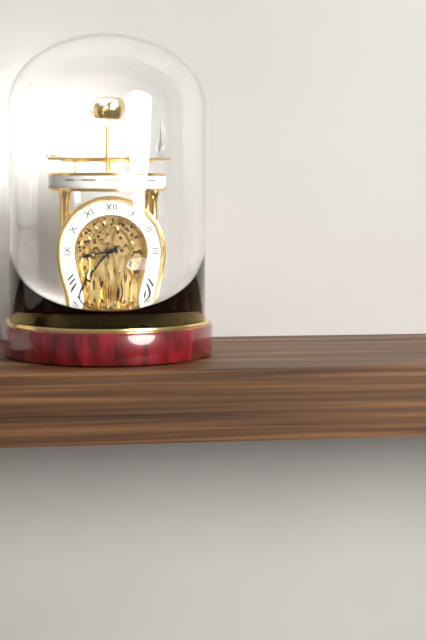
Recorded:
{"hour": 8, "minute": 39}
